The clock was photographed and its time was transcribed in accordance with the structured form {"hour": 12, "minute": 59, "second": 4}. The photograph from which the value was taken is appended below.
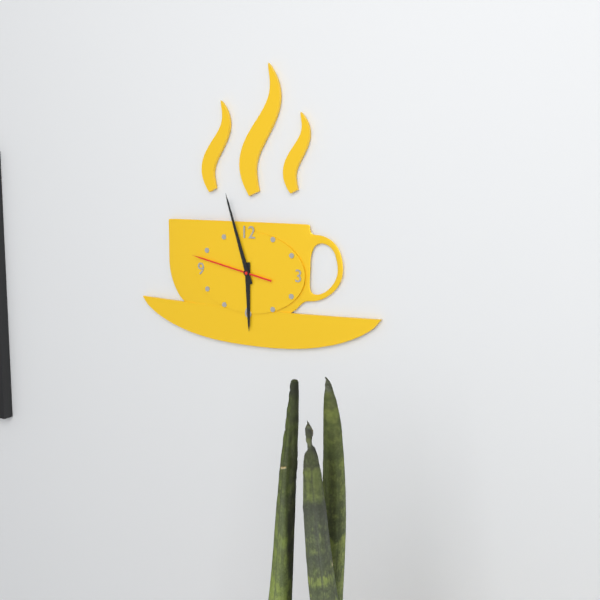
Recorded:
{"hour": 5, "minute": 57, "second": 47}
